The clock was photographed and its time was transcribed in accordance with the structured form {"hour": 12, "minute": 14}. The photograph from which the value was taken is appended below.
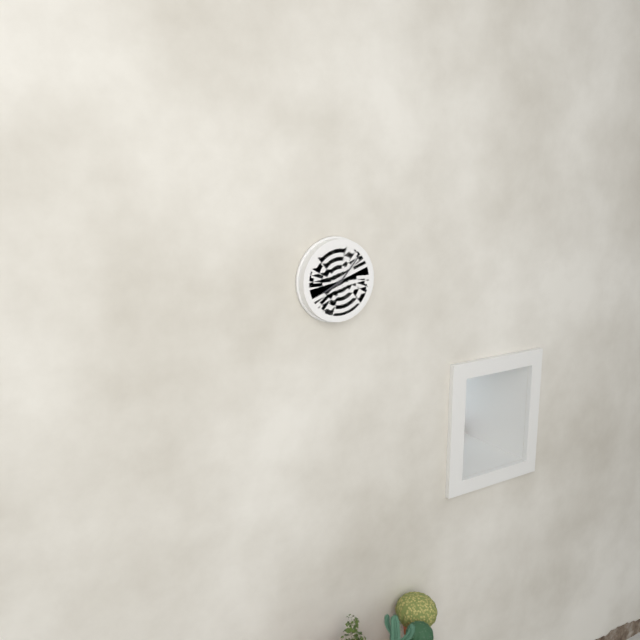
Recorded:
{"hour": 8, "minute": 7}
